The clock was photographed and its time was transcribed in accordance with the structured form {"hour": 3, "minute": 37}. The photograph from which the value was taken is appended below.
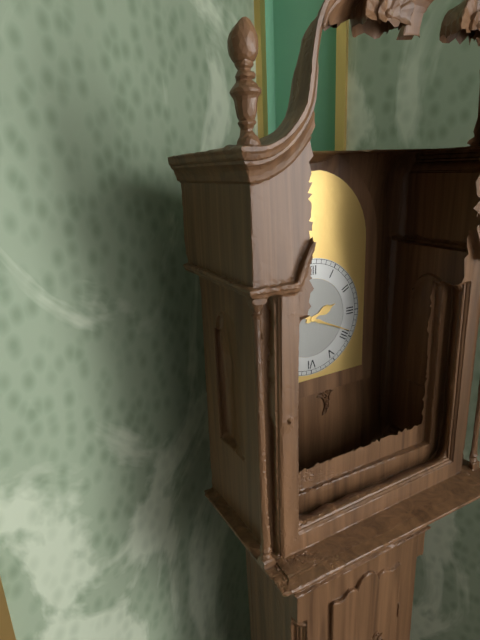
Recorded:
{"hour": 2, "minute": 19}
